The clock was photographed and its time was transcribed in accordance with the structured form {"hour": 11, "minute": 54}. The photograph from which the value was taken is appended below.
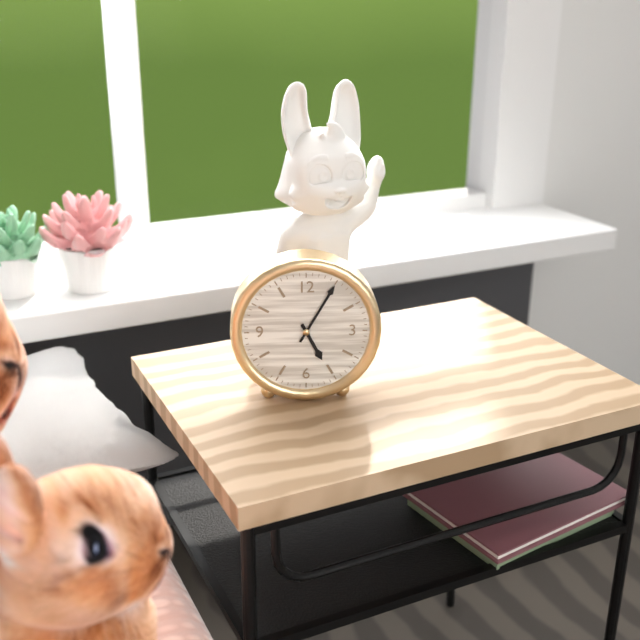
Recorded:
{"hour": 5, "minute": 5}
